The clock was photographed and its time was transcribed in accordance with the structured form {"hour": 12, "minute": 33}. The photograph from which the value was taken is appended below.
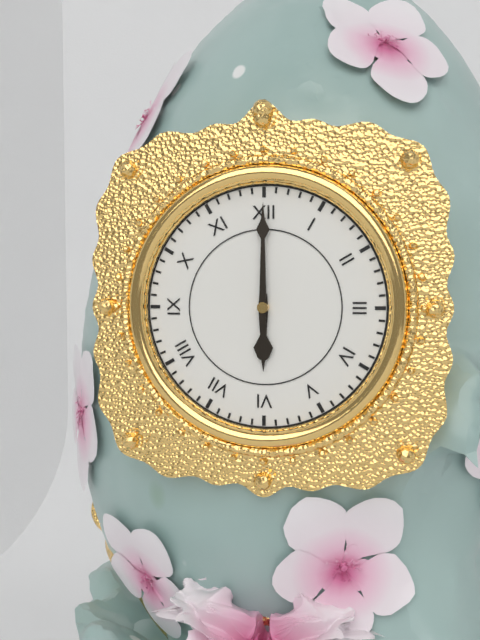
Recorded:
{"hour": 6, "minute": 0}
